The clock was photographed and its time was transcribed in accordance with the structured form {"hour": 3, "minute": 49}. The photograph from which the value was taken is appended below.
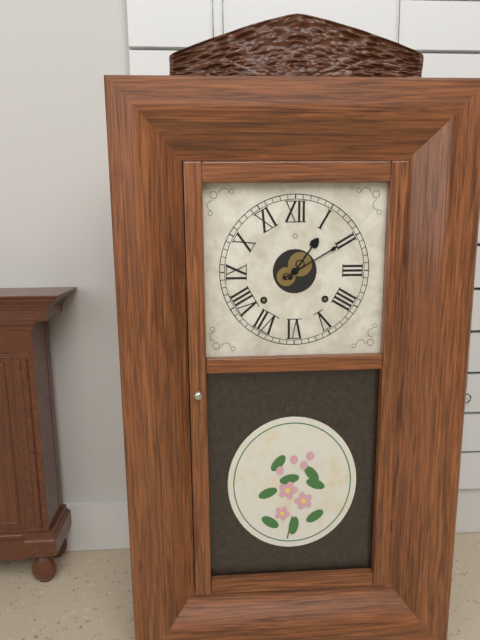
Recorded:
{"hour": 1, "minute": 10}
